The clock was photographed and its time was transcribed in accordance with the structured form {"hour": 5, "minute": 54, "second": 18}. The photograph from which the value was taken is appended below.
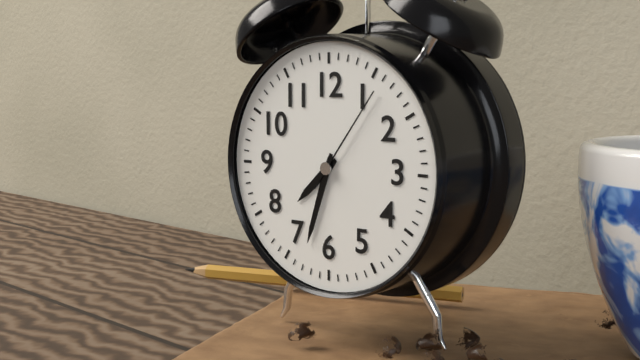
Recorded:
{"hour": 7, "minute": 33, "second": 6}
